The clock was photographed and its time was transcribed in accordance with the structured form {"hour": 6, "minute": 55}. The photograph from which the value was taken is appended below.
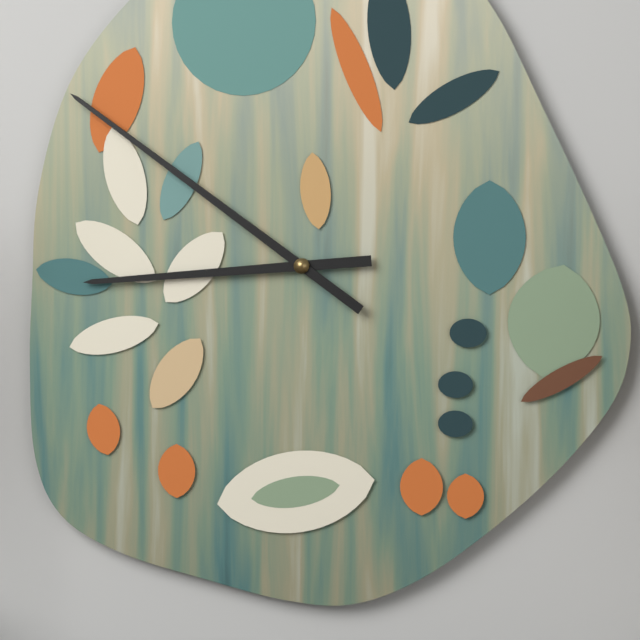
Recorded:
{"hour": 8, "minute": 51}
